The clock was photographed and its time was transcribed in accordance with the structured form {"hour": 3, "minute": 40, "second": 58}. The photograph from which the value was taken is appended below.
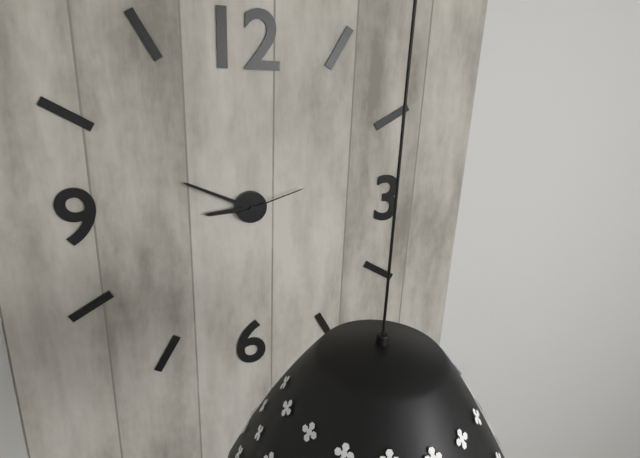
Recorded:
{"hour": 8, "minute": 49, "second": 12}
